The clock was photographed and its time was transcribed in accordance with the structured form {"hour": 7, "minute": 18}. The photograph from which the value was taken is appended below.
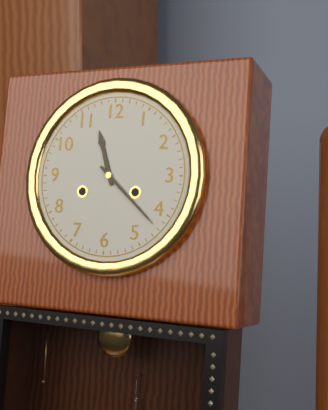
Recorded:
{"hour": 11, "minute": 22}
